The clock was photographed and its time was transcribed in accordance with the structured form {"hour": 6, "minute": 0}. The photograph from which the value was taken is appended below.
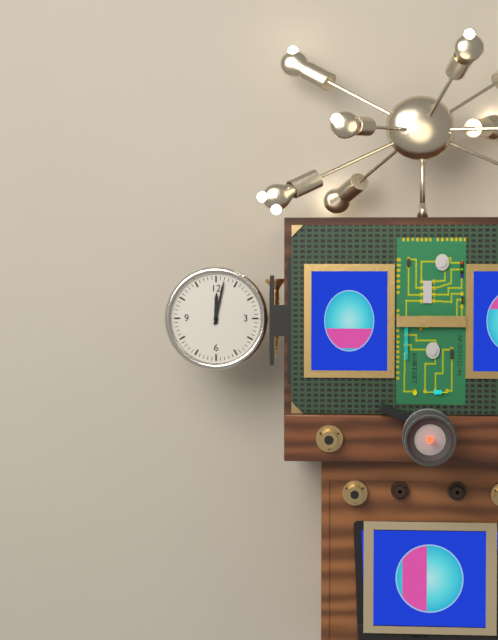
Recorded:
{"hour": 12, "minute": 2}
